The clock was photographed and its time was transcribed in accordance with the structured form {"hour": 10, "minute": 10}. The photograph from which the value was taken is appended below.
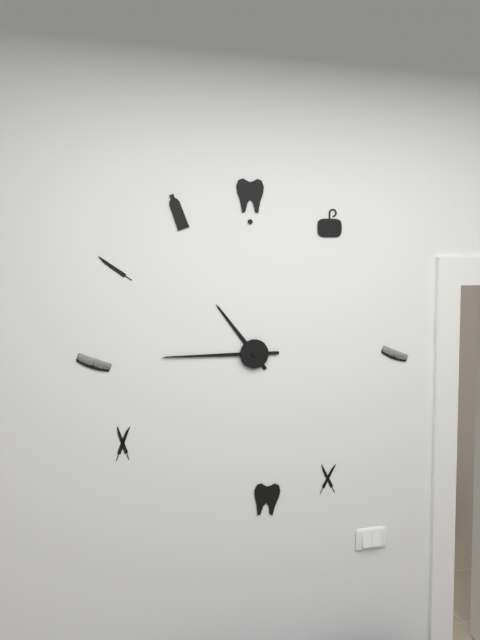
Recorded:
{"hour": 10, "minute": 45}
